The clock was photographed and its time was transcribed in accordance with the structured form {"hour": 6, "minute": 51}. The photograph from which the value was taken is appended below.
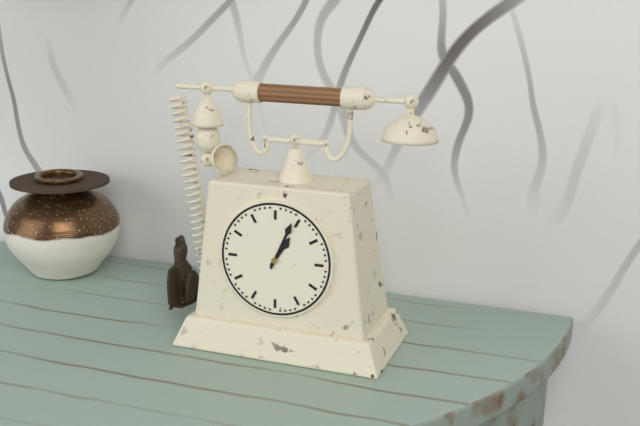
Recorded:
{"hour": 1, "minute": 4}
